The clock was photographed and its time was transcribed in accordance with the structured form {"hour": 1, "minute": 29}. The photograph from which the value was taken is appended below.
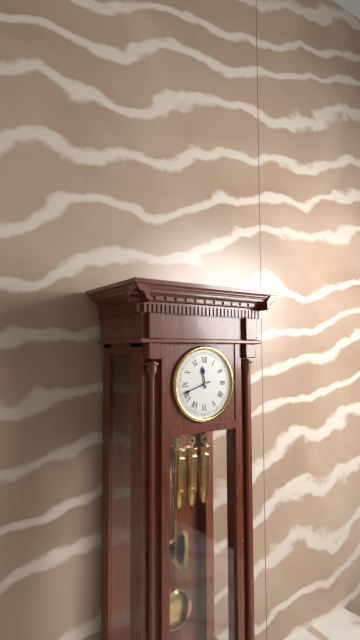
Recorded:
{"hour": 11, "minute": 42}
